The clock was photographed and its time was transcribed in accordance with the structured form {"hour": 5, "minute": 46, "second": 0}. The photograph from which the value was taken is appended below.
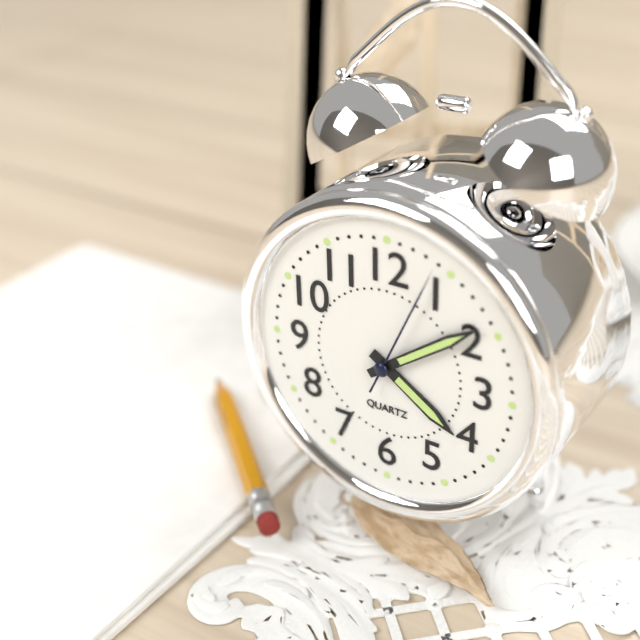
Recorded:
{"hour": 4, "minute": 9, "second": 4}
